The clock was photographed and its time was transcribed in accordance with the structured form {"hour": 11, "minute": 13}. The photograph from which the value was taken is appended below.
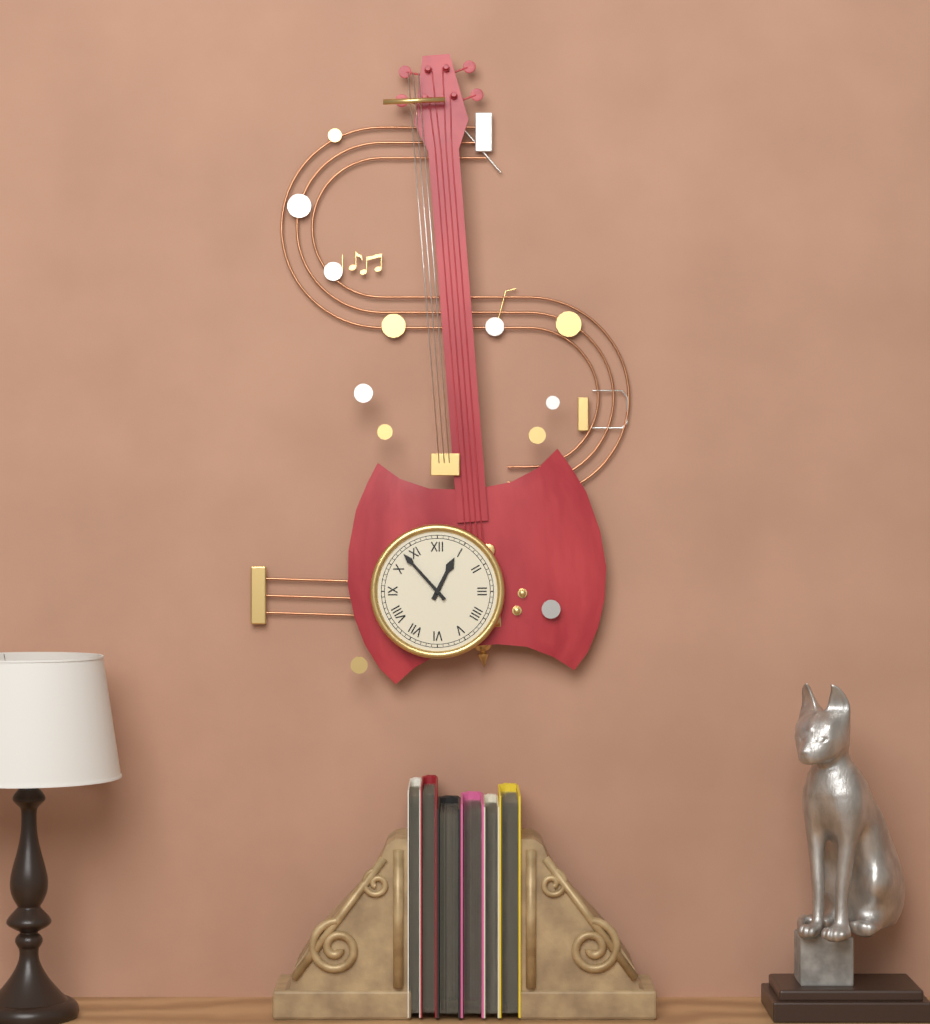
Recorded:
{"hour": 12, "minute": 53}
